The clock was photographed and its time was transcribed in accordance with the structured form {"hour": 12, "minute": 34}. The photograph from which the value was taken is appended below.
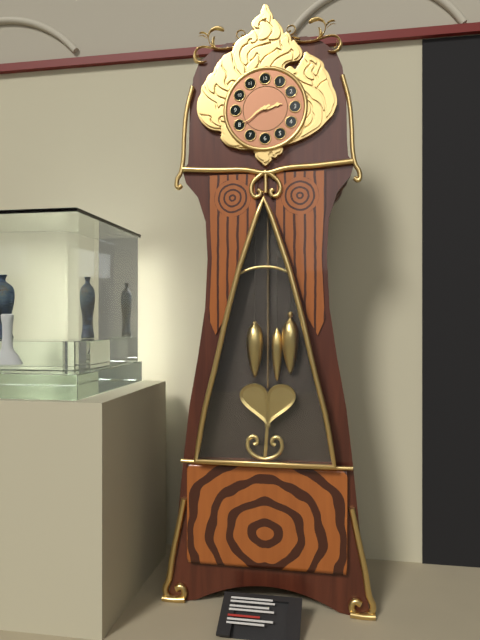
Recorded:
{"hour": 2, "minute": 40}
